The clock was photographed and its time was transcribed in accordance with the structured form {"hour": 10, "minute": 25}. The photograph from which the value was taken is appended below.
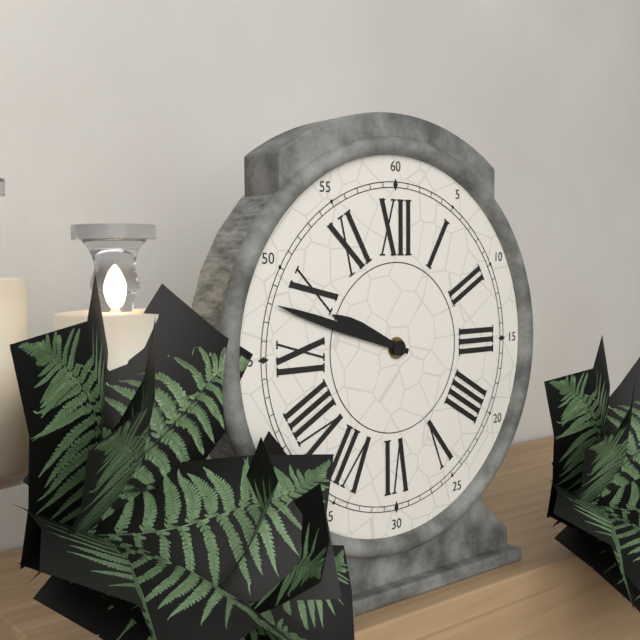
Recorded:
{"hour": 9, "minute": 48}
